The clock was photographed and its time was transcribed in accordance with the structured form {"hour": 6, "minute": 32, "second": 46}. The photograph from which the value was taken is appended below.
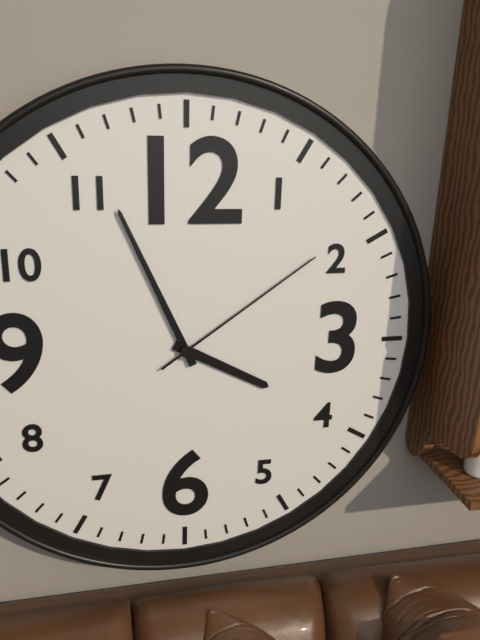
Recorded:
{"hour": 3, "minute": 56, "second": 9}
